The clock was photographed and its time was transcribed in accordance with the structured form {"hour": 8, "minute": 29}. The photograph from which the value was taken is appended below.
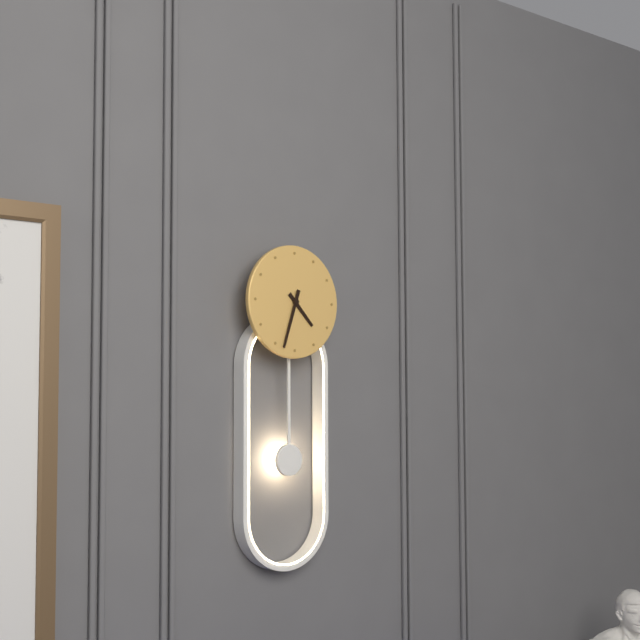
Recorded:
{"hour": 4, "minute": 33}
